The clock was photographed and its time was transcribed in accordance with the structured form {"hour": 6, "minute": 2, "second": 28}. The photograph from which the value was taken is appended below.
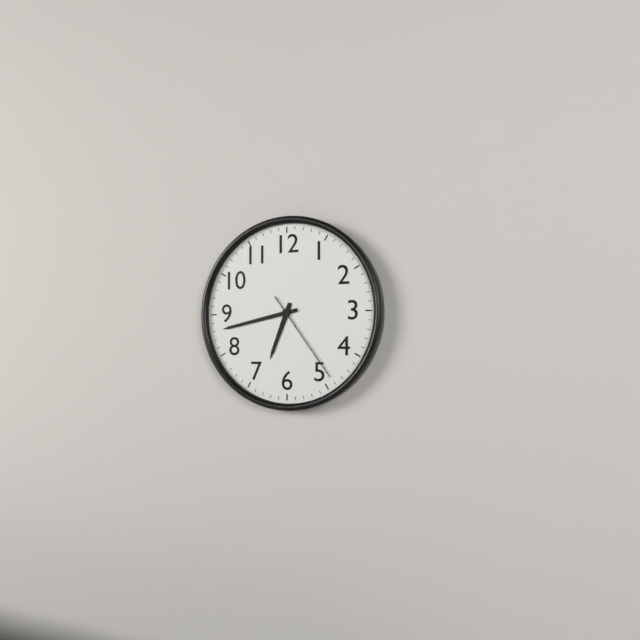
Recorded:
{"hour": 6, "minute": 43, "second": 24}
